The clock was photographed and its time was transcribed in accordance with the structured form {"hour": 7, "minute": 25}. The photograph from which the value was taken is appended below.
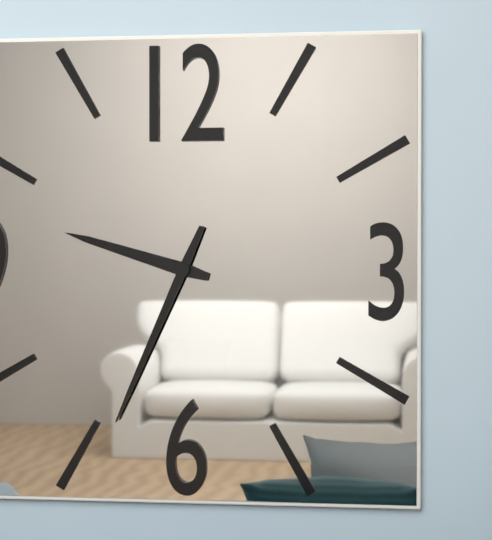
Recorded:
{"hour": 9, "minute": 34}
